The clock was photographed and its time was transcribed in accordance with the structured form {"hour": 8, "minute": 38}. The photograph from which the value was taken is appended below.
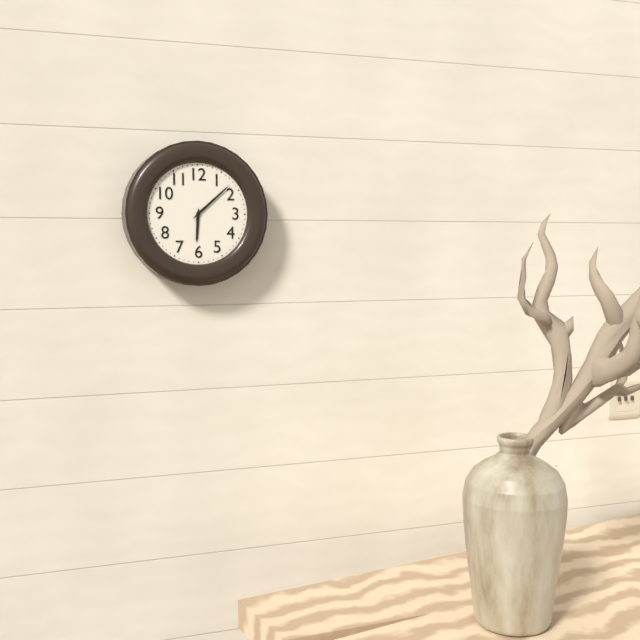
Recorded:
{"hour": 6, "minute": 8}
